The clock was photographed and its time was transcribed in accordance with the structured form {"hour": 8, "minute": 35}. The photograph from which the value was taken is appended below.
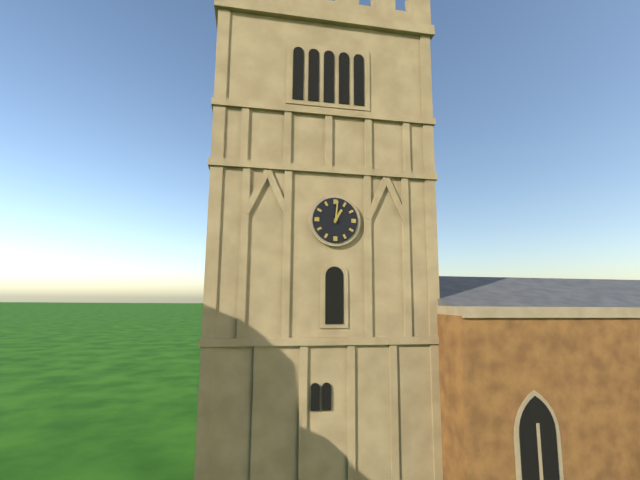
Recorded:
{"hour": 1, "minute": 1}
